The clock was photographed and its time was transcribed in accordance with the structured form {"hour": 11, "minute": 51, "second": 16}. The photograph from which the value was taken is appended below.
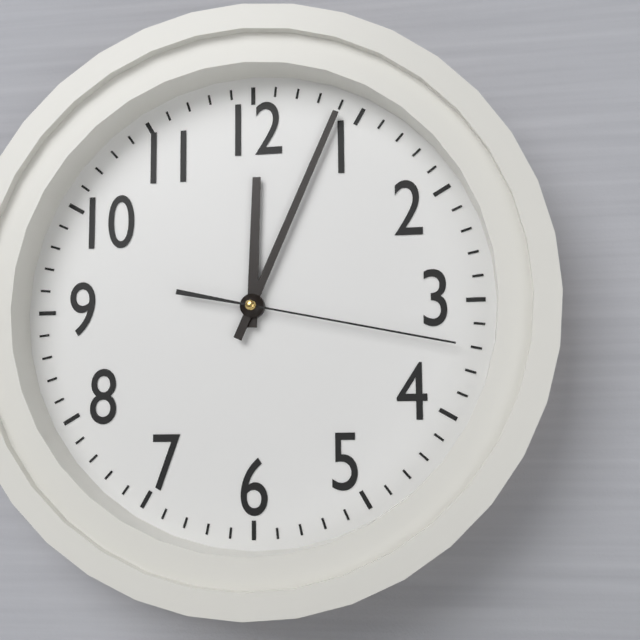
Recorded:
{"hour": 12, "minute": 4, "second": 17}
